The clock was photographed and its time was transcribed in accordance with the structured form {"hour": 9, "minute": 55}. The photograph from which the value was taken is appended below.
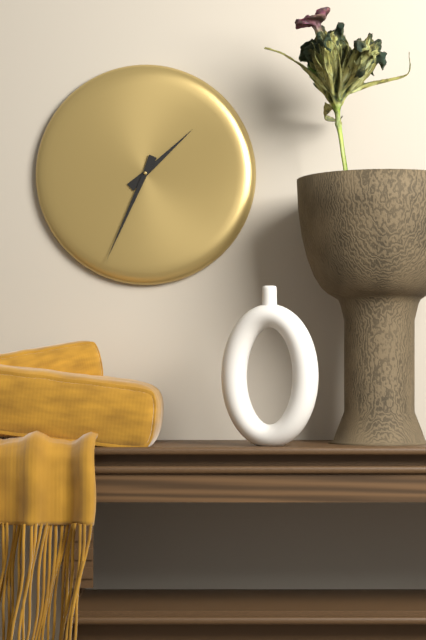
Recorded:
{"hour": 1, "minute": 34}
